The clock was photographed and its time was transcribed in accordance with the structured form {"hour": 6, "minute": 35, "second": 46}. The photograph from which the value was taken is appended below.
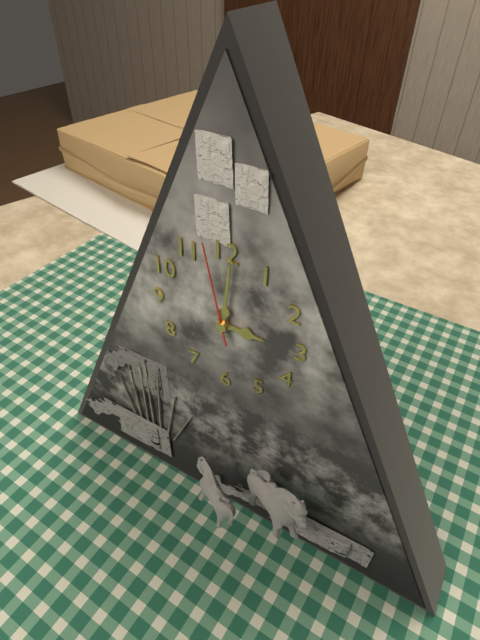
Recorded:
{"hour": 3, "minute": 1, "second": 58}
